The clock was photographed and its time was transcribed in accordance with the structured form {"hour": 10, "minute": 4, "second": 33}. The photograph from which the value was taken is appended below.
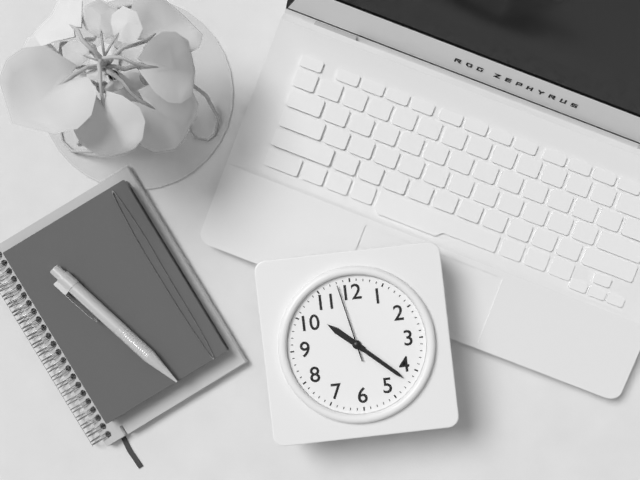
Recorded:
{"hour": 10, "minute": 22, "second": 58}
